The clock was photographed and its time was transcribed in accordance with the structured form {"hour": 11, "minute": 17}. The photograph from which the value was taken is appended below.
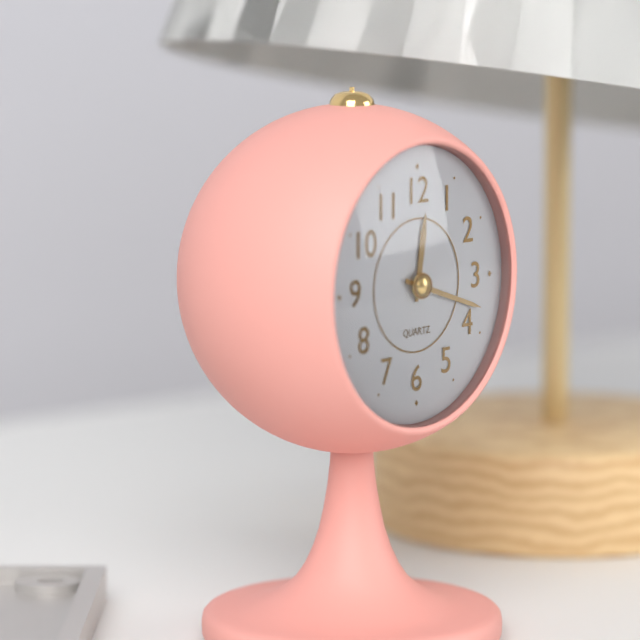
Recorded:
{"hour": 12, "minute": 18}
